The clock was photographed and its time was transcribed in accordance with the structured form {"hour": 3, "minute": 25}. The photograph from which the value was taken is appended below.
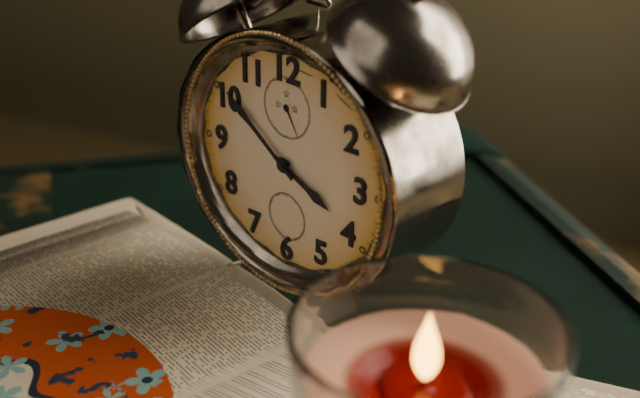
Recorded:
{"hour": 3, "minute": 51}
